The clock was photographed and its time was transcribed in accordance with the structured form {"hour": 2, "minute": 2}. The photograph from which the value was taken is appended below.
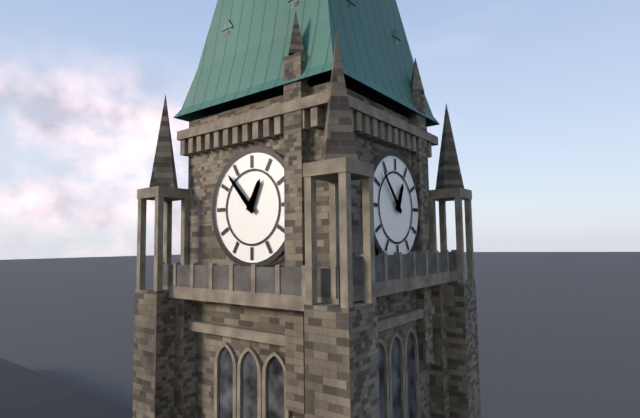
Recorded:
{"hour": 12, "minute": 53}
